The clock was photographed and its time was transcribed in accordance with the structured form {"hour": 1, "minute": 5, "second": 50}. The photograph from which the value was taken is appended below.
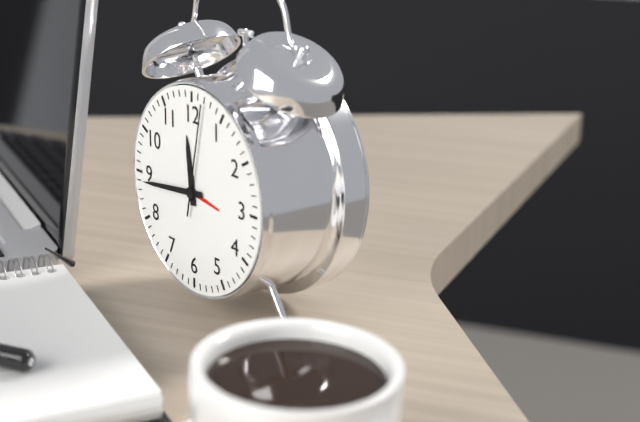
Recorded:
{"hour": 11, "minute": 44, "second": 2}
